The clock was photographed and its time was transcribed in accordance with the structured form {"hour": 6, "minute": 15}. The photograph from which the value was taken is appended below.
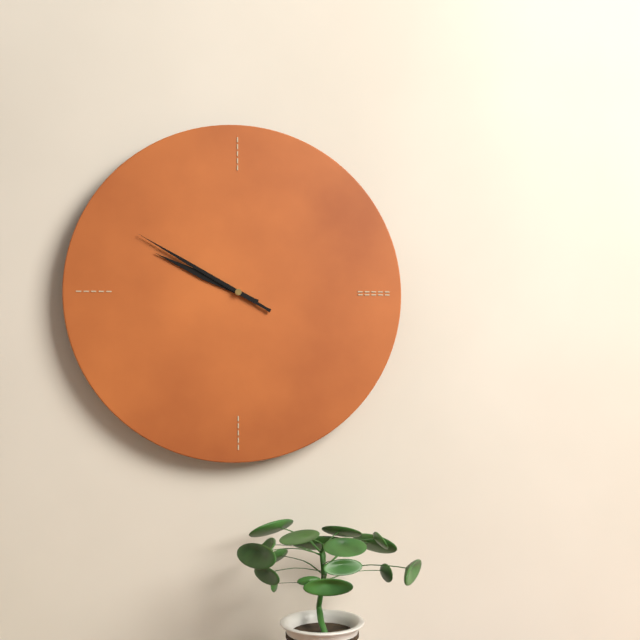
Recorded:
{"hour": 9, "minute": 50}
